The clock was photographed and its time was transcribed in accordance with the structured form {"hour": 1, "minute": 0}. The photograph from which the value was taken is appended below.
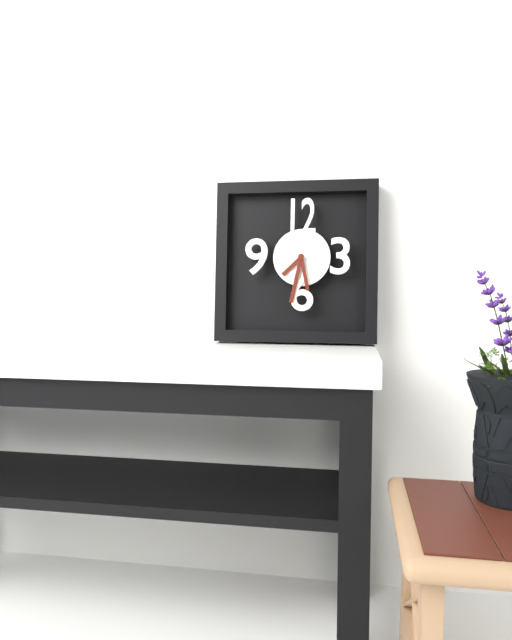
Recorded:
{"hour": 7, "minute": 32}
